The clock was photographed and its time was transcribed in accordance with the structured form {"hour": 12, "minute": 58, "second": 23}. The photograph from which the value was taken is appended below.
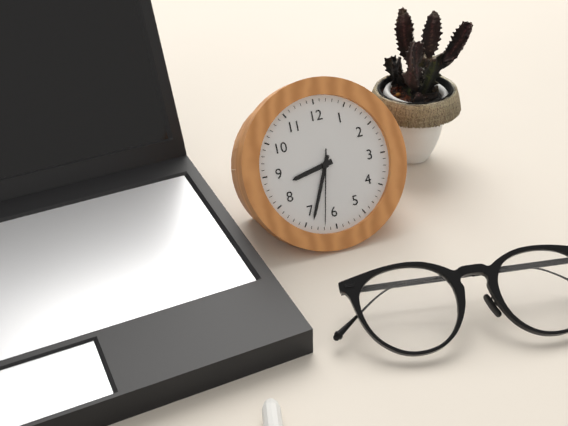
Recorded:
{"hour": 8, "minute": 34, "second": 32}
